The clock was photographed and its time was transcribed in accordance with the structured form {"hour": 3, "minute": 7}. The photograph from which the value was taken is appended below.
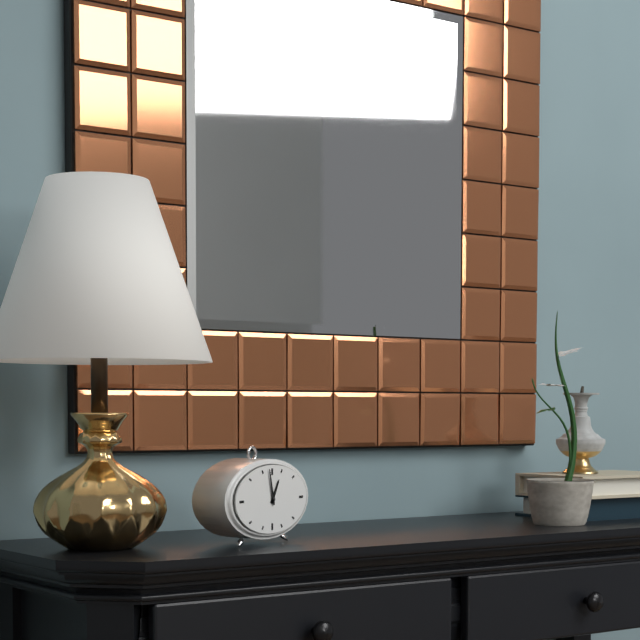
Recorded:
{"hour": 12, "minute": 58}
